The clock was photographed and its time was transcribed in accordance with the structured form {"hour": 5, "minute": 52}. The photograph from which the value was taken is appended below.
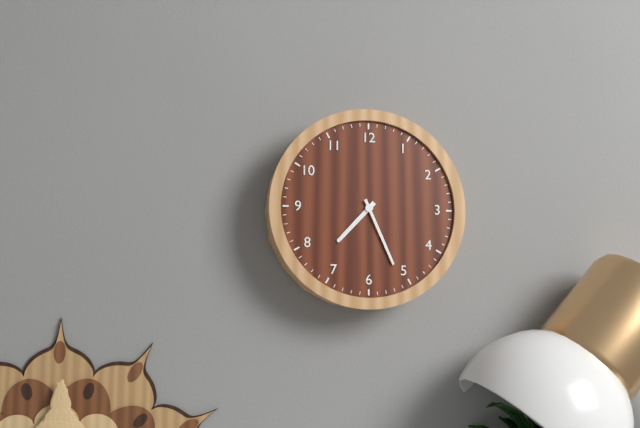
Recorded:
{"hour": 7, "minute": 26}
